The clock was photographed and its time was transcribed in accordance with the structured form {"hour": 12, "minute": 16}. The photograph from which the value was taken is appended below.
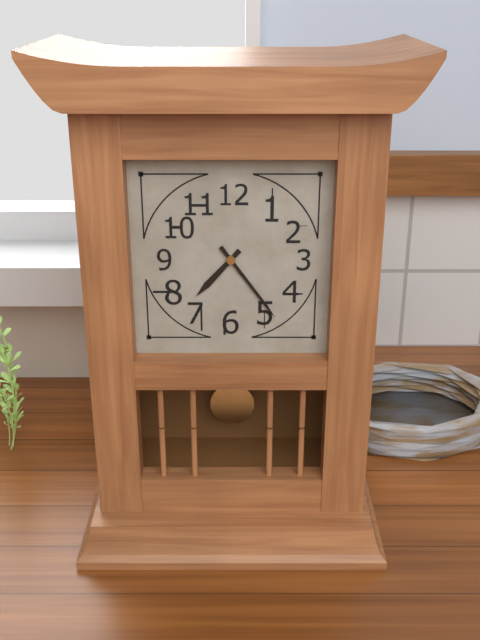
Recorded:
{"hour": 7, "minute": 24}
